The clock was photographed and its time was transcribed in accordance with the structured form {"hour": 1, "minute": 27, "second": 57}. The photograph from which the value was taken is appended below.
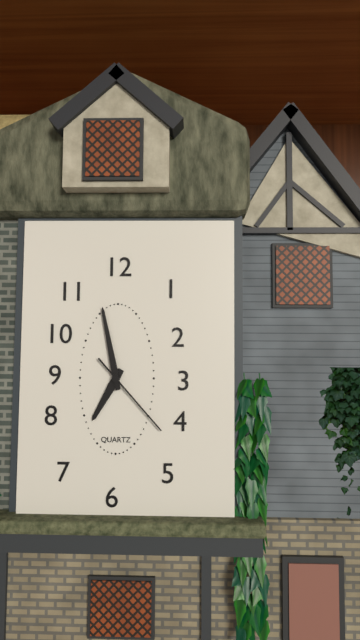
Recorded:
{"hour": 6, "minute": 58, "second": 23}
